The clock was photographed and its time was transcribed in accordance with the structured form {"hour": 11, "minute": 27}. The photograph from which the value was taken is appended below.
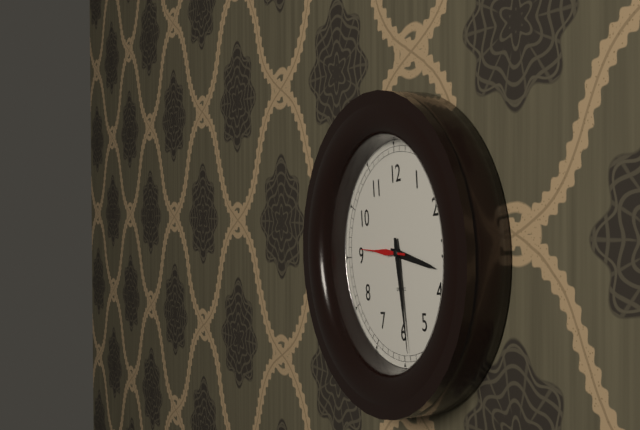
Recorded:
{"hour": 3, "minute": 29}
